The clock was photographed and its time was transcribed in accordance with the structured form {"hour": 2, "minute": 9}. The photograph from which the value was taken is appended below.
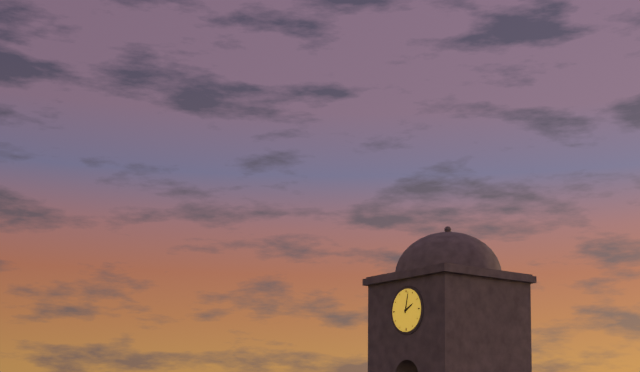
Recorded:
{"hour": 2, "minute": 2}
